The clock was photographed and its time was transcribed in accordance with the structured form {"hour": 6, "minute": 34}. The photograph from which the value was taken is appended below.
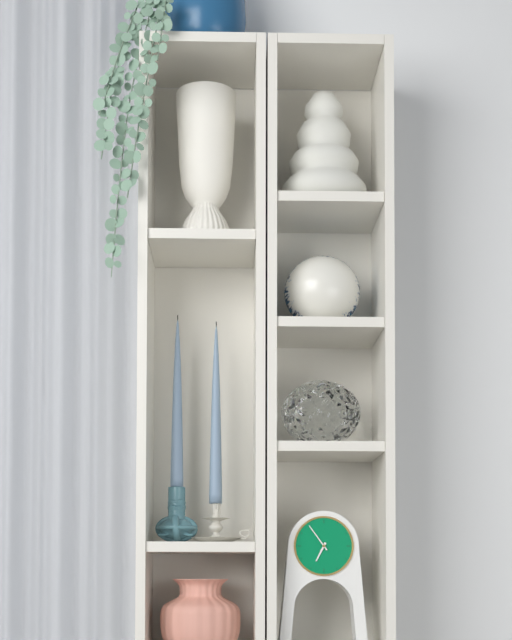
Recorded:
{"hour": 6, "minute": 54}
